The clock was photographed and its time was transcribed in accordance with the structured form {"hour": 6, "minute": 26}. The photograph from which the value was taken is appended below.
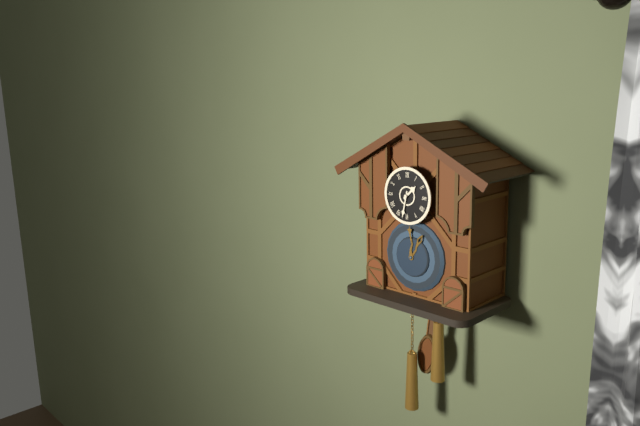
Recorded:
{"hour": 1, "minute": 32}
